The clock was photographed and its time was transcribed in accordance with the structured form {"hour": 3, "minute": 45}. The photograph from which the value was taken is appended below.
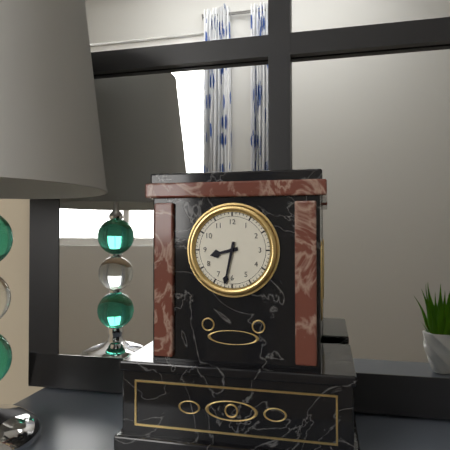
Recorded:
{"hour": 8, "minute": 32}
